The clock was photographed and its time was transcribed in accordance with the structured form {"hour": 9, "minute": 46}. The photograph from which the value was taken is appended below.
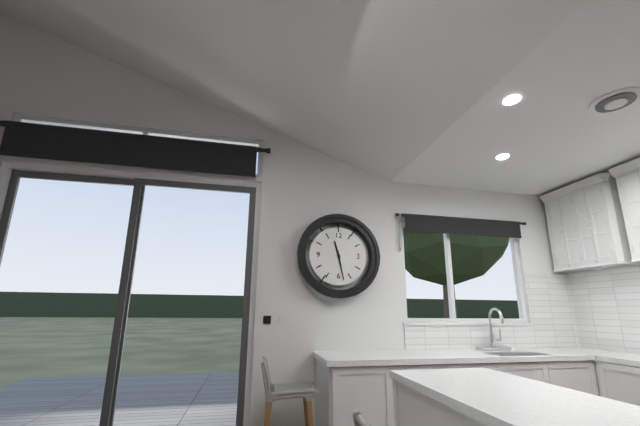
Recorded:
{"hour": 11, "minute": 28}
